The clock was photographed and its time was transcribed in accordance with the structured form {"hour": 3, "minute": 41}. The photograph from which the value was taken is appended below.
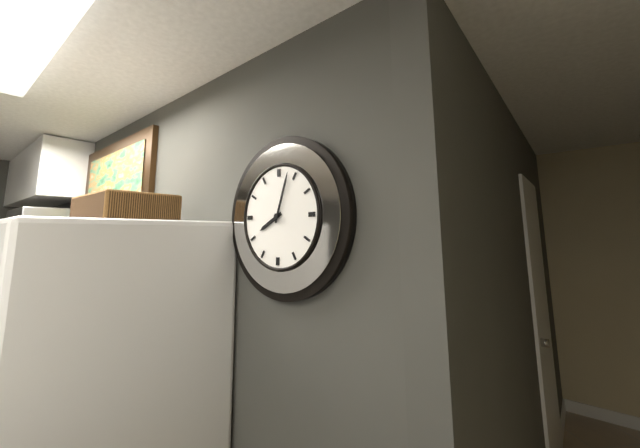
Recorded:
{"hour": 8, "minute": 3}
